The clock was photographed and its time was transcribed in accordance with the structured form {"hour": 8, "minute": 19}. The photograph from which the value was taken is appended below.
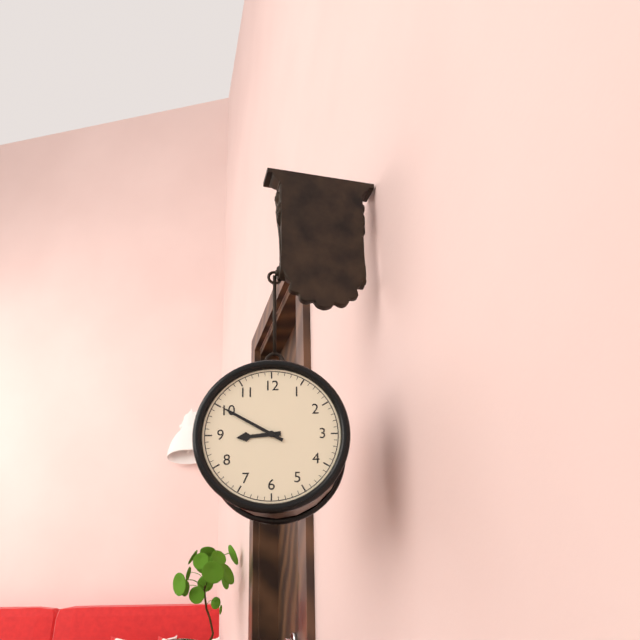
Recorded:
{"hour": 8, "minute": 50}
